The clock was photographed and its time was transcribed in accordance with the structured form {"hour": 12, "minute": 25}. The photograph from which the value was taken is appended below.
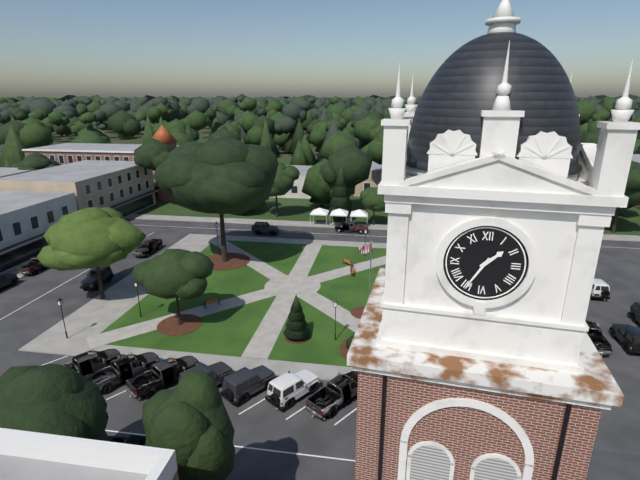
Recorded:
{"hour": 1, "minute": 35}
